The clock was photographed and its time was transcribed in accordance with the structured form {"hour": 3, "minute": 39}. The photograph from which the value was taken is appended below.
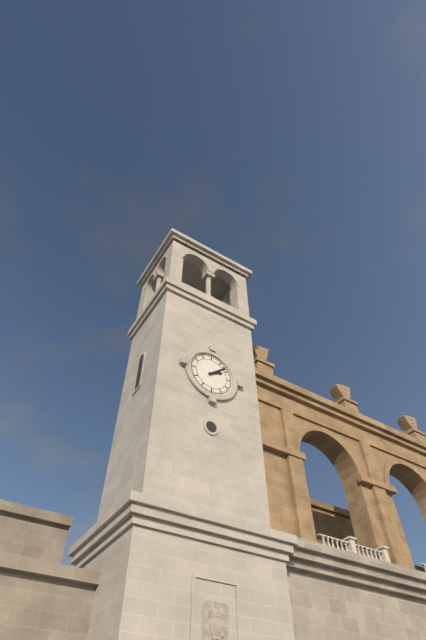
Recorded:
{"hour": 2, "minute": 8}
